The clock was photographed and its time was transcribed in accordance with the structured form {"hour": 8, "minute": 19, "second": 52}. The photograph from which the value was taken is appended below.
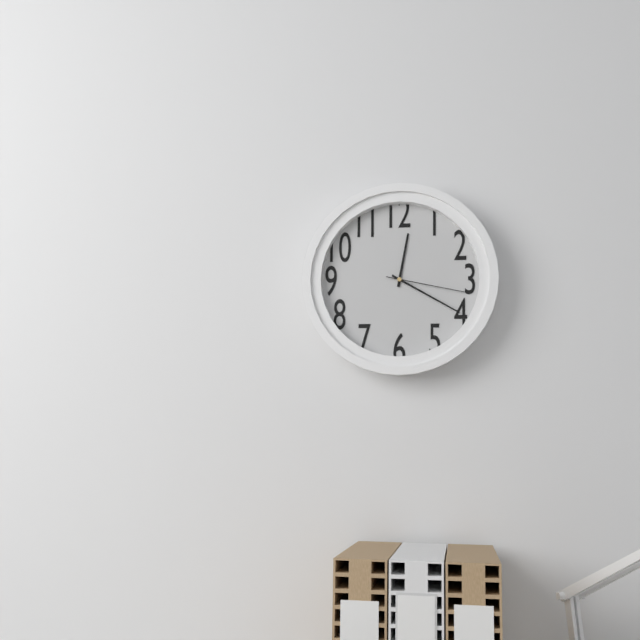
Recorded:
{"hour": 12, "minute": 20, "second": 17}
